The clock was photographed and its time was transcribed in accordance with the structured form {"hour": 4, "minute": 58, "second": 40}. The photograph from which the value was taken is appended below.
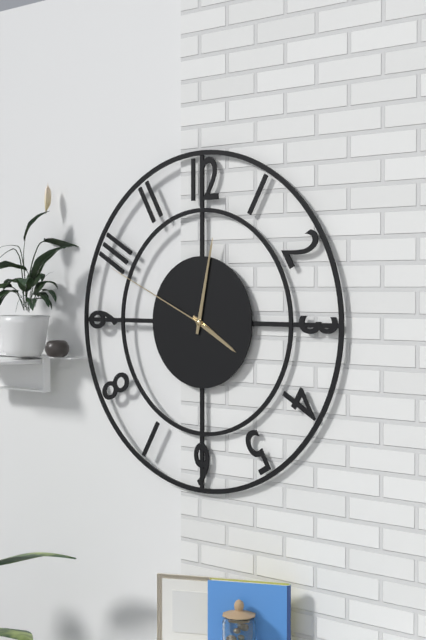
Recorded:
{"hour": 4, "minute": 2, "second": 49}
